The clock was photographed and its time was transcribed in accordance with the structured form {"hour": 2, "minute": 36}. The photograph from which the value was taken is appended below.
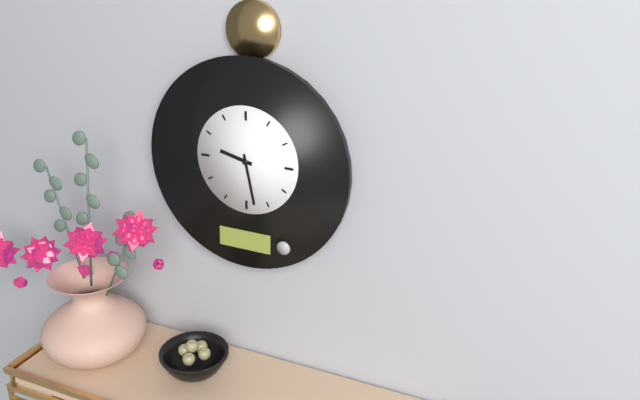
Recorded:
{"hour": 9, "minute": 28}
